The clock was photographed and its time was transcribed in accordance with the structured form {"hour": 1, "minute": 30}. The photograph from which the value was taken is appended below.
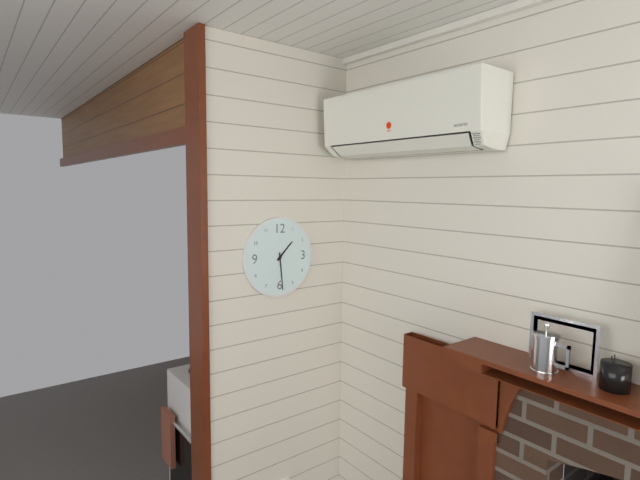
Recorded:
{"hour": 1, "minute": 29}
